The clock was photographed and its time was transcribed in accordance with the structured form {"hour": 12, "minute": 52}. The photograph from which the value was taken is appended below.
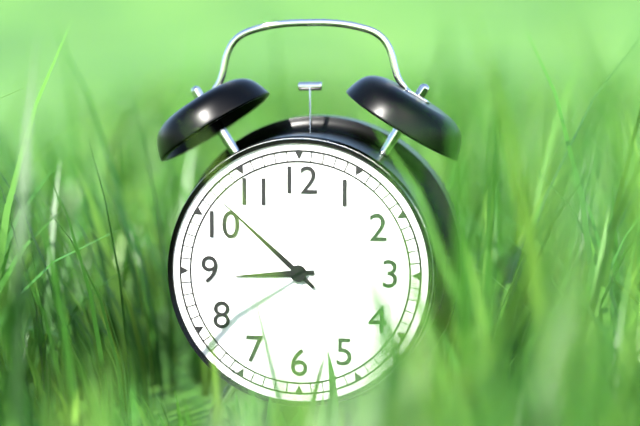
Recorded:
{"hour": 8, "minute": 52}
